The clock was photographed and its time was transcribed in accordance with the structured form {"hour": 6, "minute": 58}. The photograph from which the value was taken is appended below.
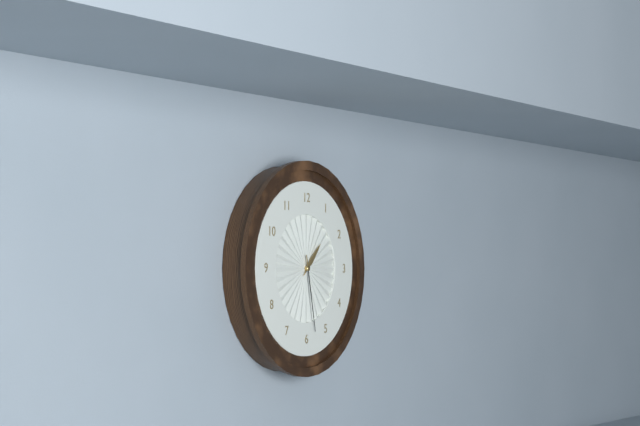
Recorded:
{"hour": 1, "minute": 28}
